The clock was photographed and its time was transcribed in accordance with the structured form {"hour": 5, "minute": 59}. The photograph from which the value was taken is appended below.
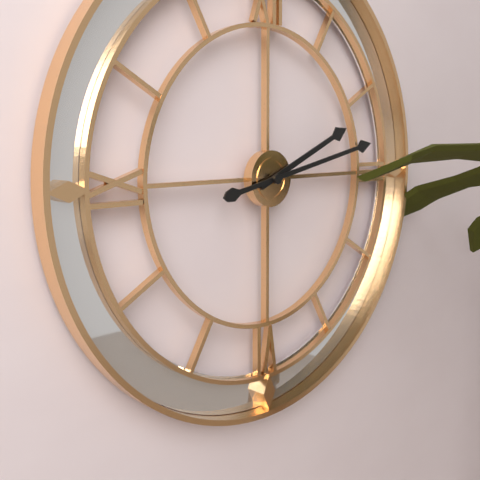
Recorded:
{"hour": 2, "minute": 13}
